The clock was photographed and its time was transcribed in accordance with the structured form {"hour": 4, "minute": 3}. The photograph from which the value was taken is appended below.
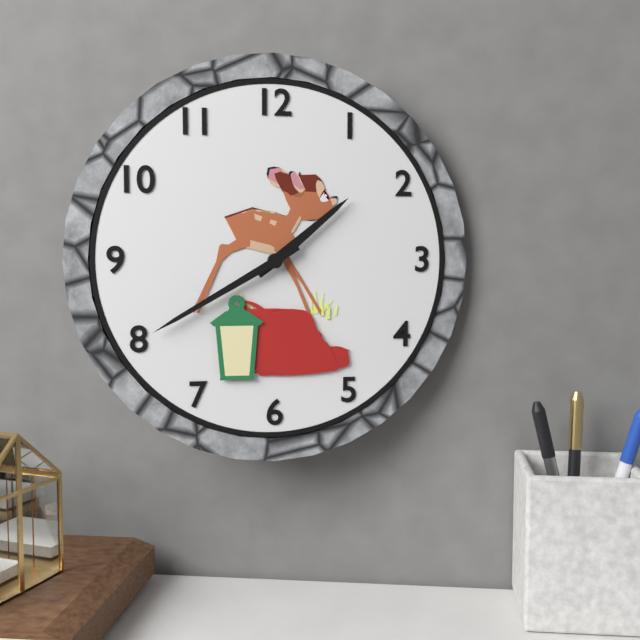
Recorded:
{"hour": 1, "minute": 40}
